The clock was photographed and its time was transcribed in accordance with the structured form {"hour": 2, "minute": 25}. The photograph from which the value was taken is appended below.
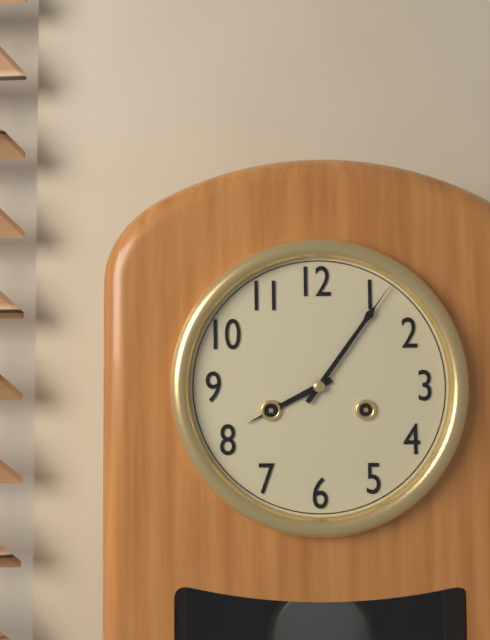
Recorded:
{"hour": 8, "minute": 6}
